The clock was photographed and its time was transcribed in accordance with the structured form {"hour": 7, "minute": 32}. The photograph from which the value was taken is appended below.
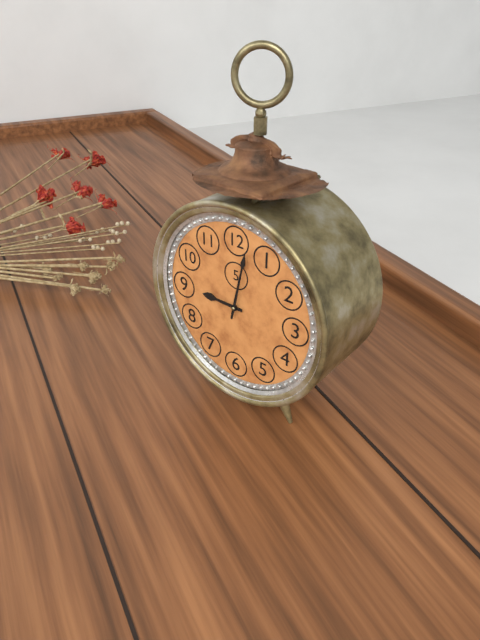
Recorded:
{"hour": 9, "minute": 2}
